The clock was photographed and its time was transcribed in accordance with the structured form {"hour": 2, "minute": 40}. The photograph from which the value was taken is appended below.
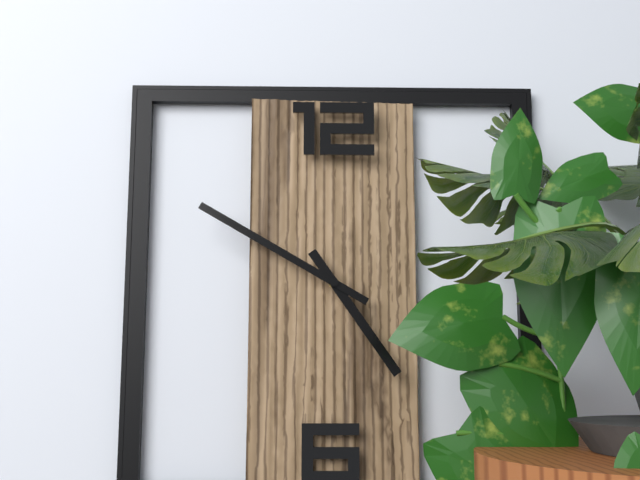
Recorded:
{"hour": 4, "minute": 50}
